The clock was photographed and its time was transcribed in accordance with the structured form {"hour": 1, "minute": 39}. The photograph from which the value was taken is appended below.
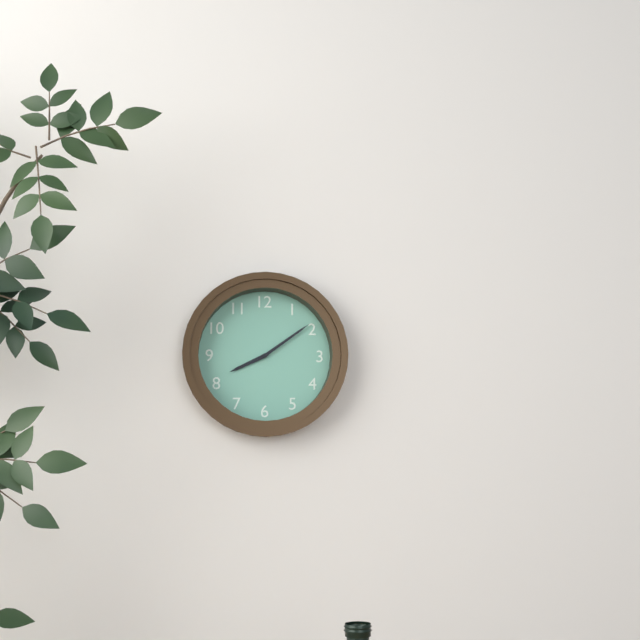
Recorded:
{"hour": 8, "minute": 9}
